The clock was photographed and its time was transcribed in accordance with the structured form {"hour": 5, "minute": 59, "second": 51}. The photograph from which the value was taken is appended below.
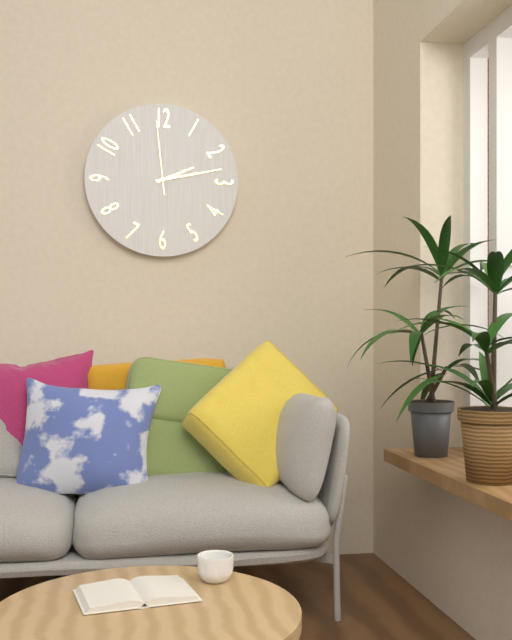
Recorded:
{"hour": 2, "minute": 13, "second": 59}
